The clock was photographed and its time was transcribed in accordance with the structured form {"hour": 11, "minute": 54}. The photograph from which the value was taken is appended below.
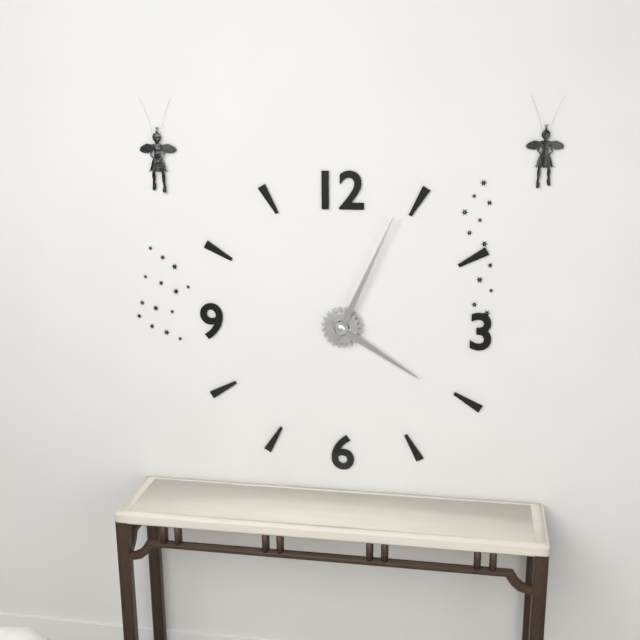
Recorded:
{"hour": 4, "minute": 4}
